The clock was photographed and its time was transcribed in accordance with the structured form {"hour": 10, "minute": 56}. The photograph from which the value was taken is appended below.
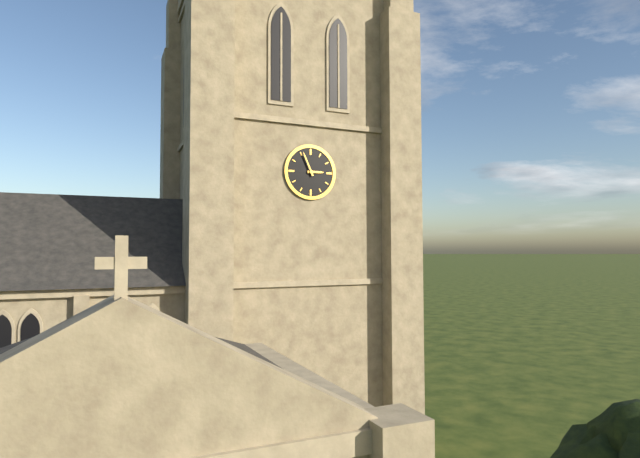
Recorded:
{"hour": 2, "minute": 56}
